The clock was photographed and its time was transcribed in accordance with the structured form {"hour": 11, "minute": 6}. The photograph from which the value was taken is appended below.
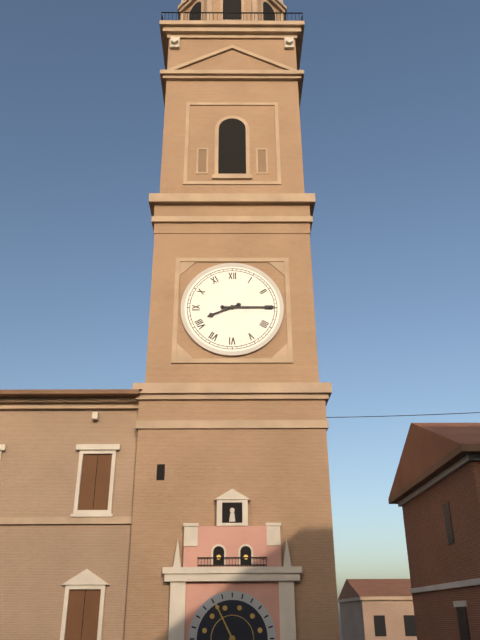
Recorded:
{"hour": 8, "minute": 15}
